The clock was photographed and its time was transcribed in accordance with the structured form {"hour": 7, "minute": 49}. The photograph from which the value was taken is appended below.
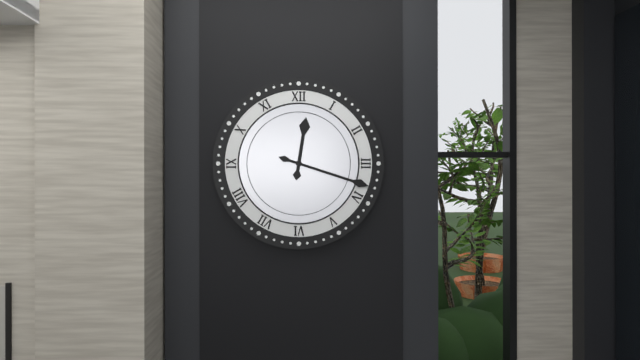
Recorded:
{"hour": 12, "minute": 18}
